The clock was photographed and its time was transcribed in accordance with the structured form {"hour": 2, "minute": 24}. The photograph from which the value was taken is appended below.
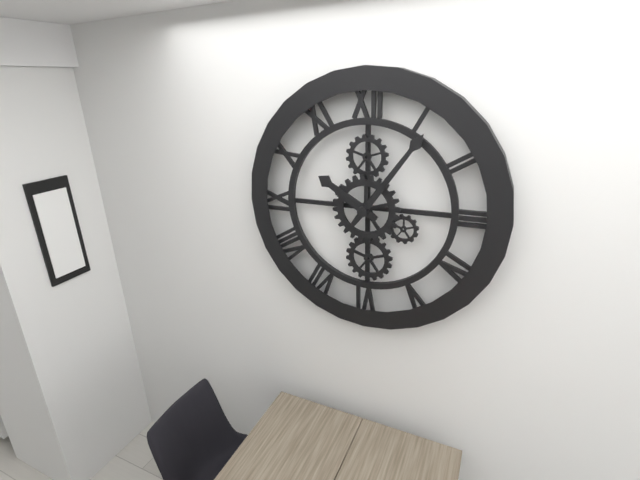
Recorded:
{"hour": 10, "minute": 6}
